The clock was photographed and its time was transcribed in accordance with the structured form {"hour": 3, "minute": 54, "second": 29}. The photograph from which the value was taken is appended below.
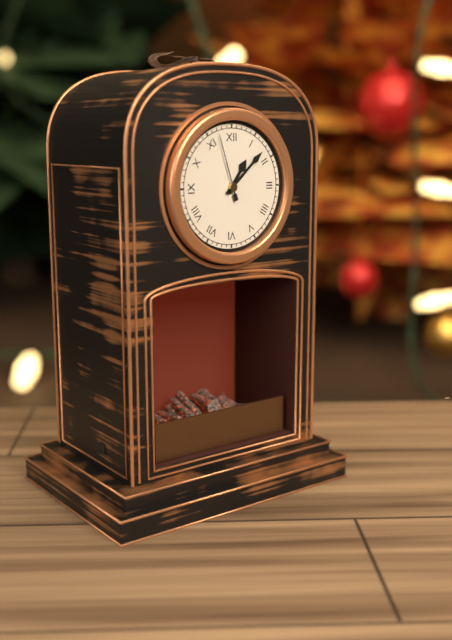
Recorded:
{"hour": 1, "minute": 8, "second": 57}
